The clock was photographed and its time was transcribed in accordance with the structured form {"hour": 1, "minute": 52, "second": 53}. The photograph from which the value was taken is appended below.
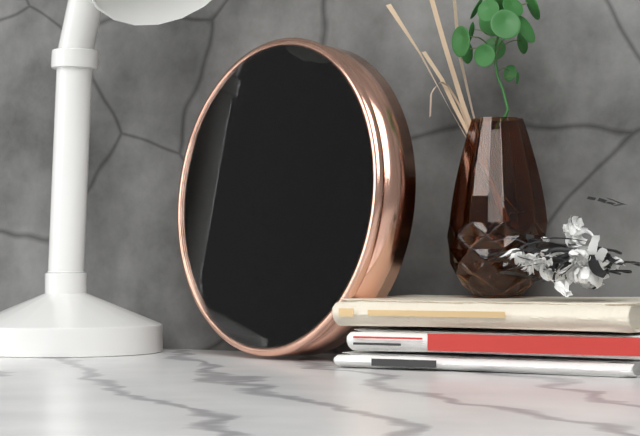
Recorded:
{"hour": 9, "minute": 56, "second": 23}
